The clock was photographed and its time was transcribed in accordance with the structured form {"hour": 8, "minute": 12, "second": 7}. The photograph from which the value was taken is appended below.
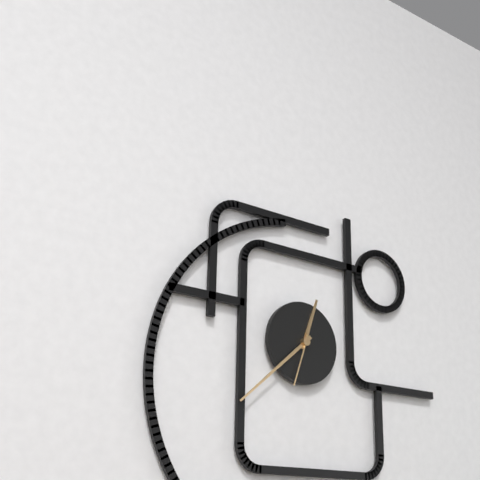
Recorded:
{"hour": 12, "minute": 38, "second": 33}
